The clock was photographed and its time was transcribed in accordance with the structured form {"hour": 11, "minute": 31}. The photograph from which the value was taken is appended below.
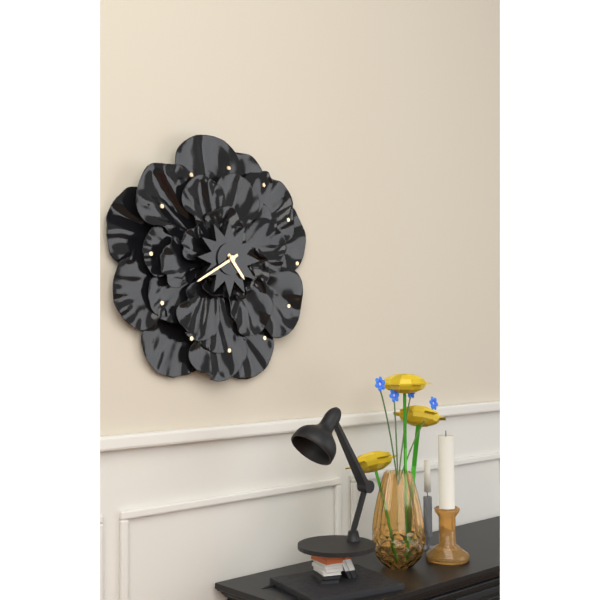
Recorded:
{"hour": 4, "minute": 40}
